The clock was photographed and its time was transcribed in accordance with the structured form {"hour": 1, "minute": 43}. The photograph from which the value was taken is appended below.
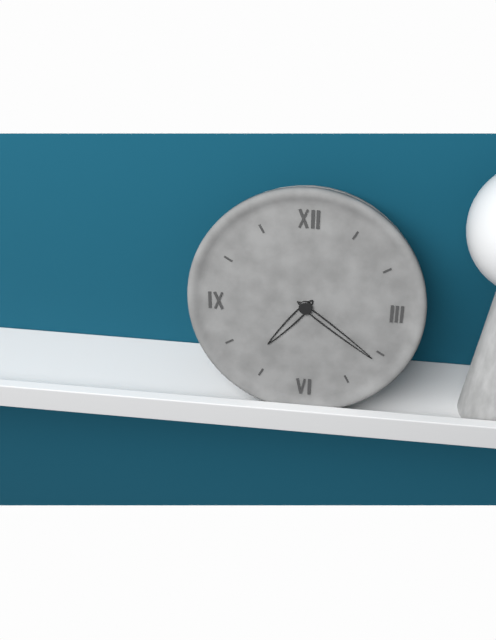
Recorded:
{"hour": 7, "minute": 21}
